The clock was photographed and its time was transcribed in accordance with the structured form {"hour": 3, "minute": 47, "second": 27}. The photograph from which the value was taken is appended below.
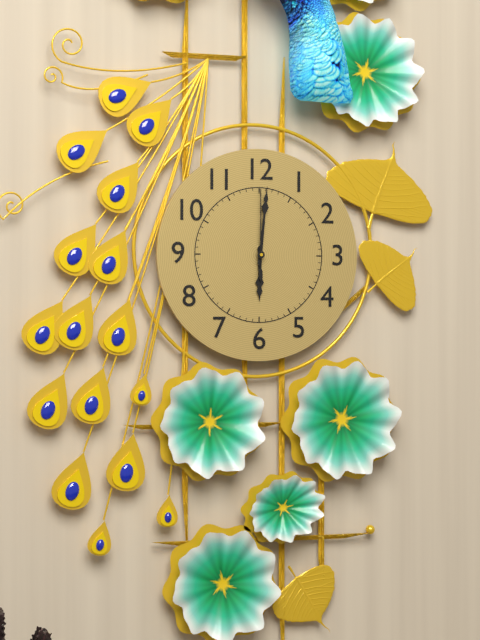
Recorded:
{"hour": 6, "minute": 1, "second": 0}
